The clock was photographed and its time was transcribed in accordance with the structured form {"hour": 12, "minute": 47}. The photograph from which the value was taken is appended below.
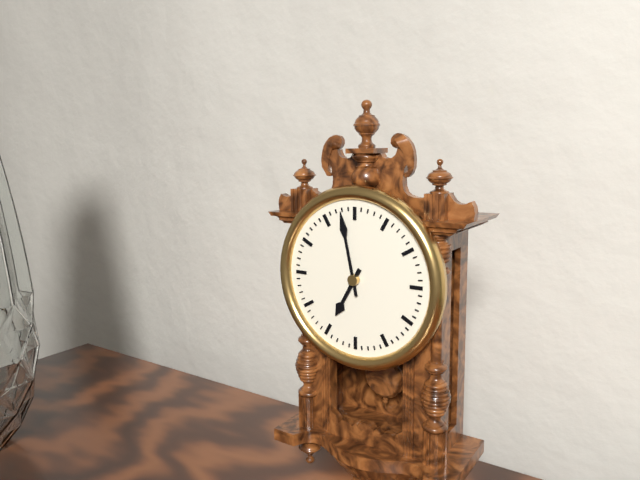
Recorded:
{"hour": 6, "minute": 58}
